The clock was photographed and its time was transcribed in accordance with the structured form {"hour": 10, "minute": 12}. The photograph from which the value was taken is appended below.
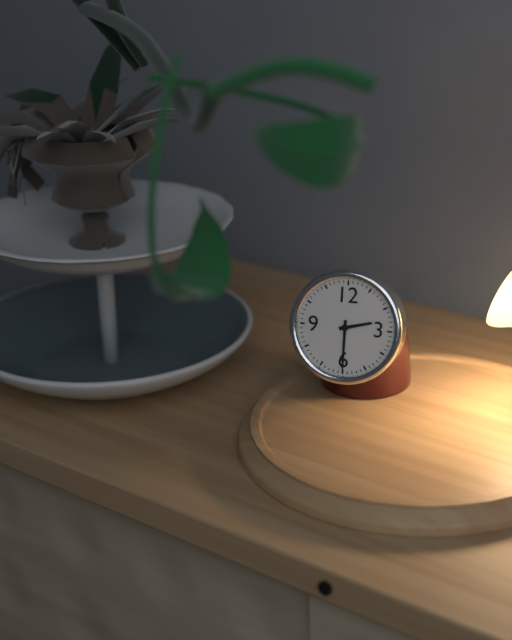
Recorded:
{"hour": 2, "minute": 30}
